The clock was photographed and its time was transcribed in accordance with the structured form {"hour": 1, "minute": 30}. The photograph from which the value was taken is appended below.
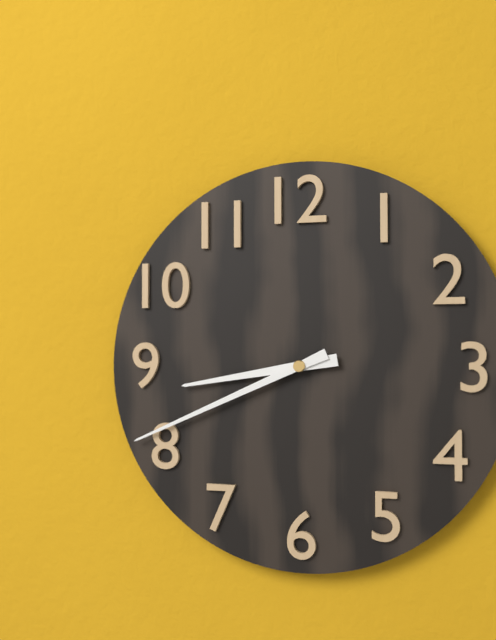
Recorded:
{"hour": 8, "minute": 41}
